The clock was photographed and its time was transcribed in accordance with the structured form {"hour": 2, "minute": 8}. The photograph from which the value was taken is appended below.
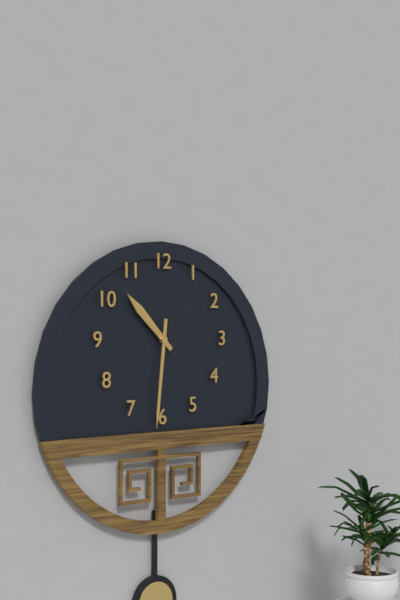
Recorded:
{"hour": 10, "minute": 31}
